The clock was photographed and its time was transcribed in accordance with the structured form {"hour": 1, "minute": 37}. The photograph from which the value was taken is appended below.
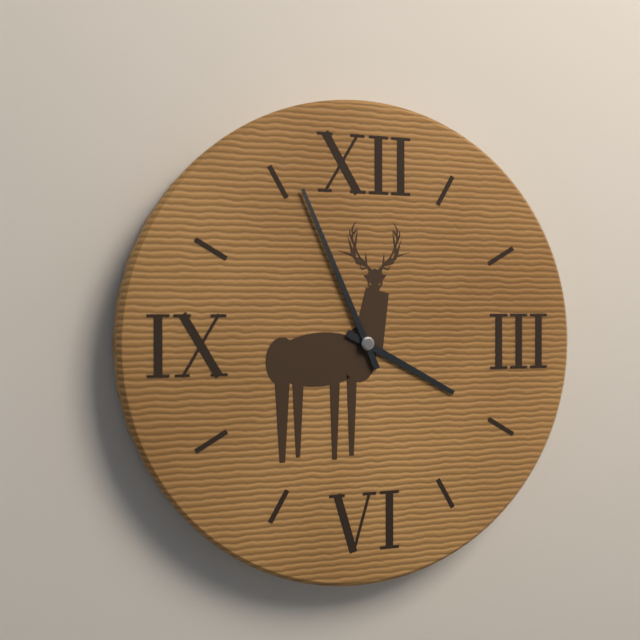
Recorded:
{"hour": 3, "minute": 56}
